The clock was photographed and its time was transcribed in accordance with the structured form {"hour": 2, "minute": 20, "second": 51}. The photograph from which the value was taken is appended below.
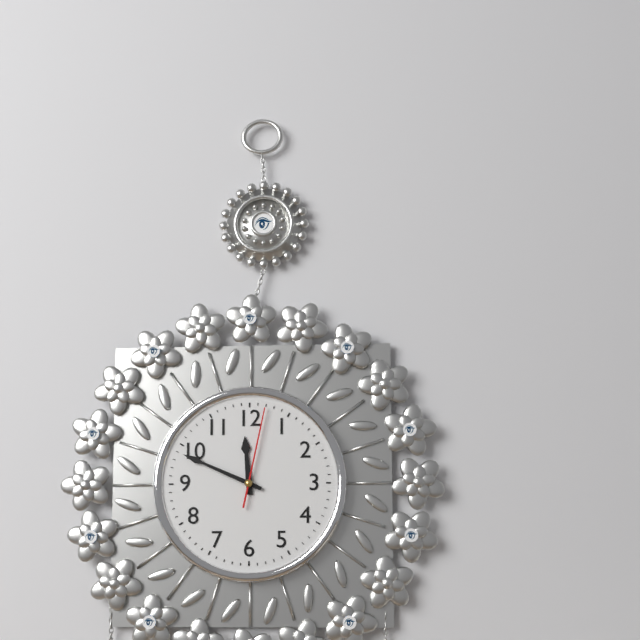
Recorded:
{"hour": 11, "minute": 49, "second": 2}
